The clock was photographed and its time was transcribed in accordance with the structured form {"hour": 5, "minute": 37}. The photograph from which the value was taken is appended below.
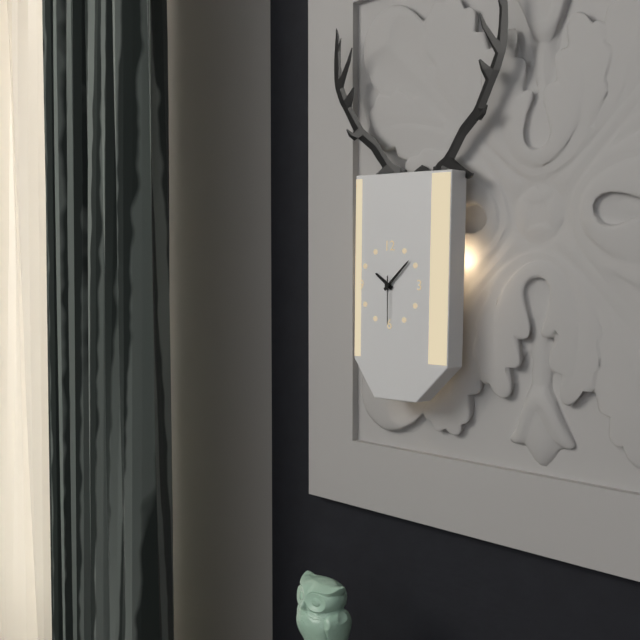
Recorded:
{"hour": 10, "minute": 8}
